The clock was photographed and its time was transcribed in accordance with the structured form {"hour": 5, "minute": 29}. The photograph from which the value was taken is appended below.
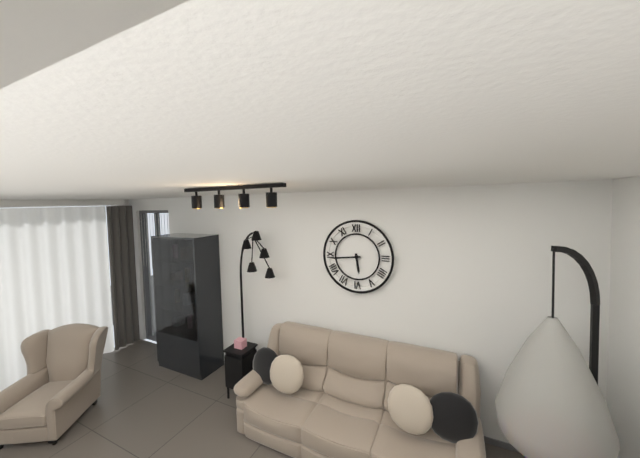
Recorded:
{"hour": 5, "minute": 44}
